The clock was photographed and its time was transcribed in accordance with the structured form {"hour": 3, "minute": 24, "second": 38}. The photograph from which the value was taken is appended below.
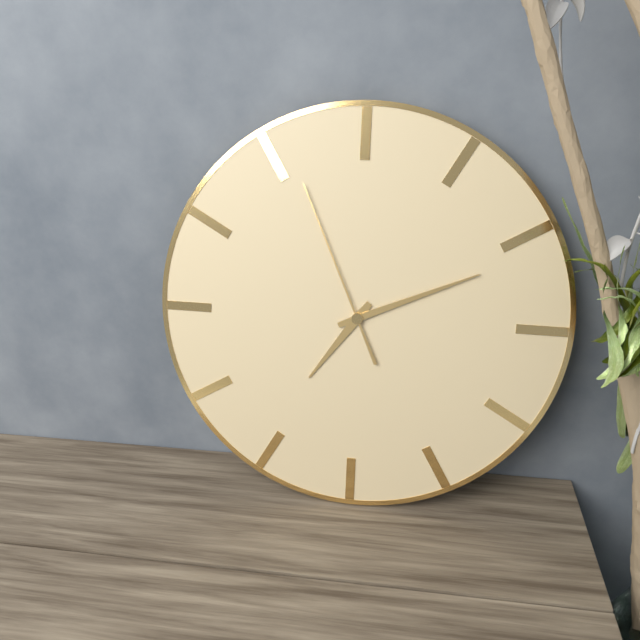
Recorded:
{"hour": 7, "minute": 11, "second": 56}
